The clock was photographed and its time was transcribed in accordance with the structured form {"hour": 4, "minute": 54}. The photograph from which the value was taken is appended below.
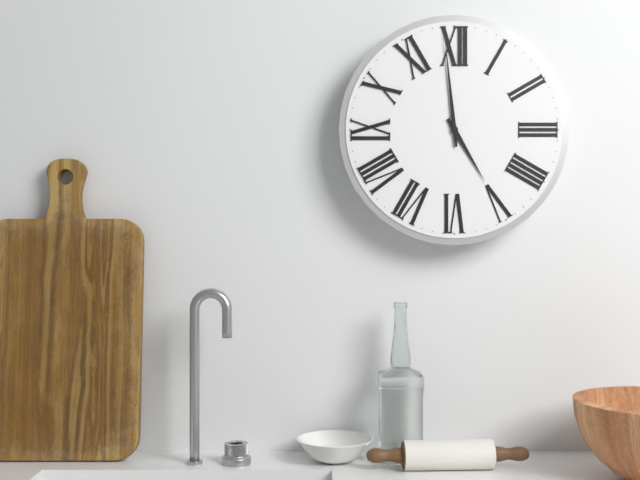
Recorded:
{"hour": 4, "minute": 59}
